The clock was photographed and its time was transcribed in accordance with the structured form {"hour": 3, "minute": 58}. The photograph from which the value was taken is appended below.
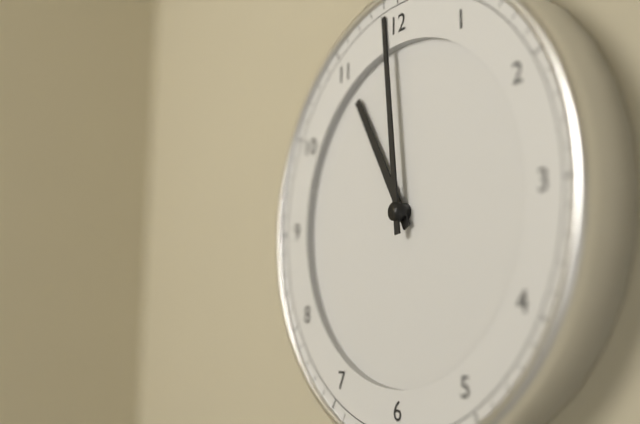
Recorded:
{"hour": 10, "minute": 59}
